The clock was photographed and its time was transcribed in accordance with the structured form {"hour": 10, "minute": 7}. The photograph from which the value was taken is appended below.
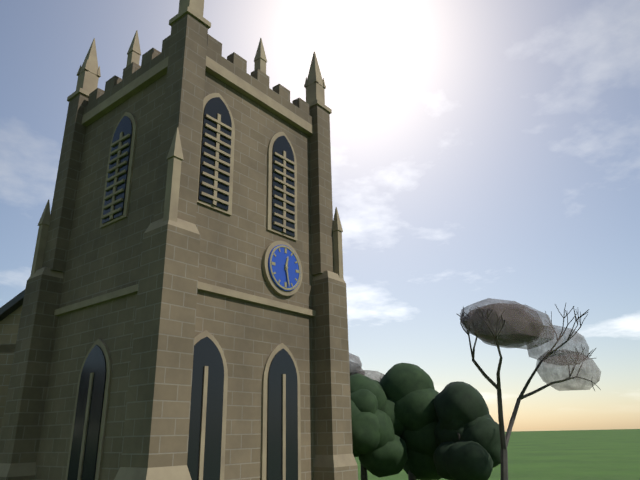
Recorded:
{"hour": 12, "minute": 28}
